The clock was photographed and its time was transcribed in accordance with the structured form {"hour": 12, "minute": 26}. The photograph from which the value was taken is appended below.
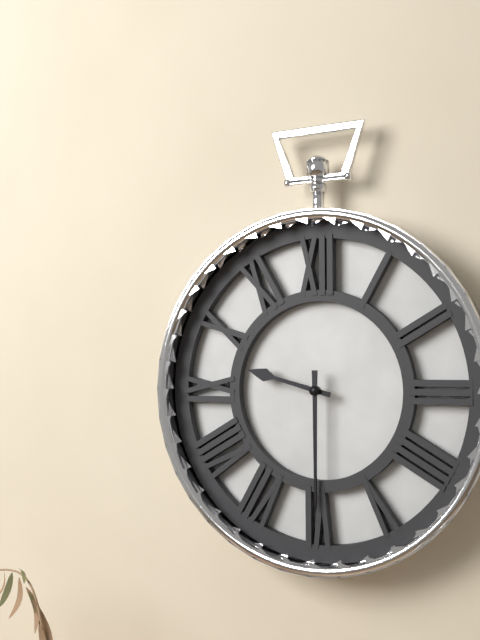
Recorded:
{"hour": 9, "minute": 30}
